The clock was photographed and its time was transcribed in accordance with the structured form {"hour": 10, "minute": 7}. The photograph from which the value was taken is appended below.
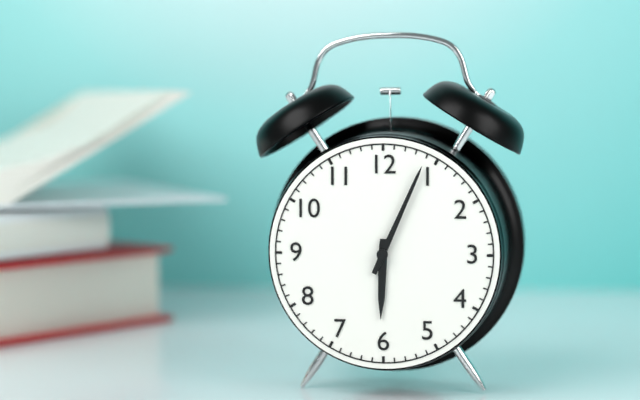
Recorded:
{"hour": 6, "minute": 4}
